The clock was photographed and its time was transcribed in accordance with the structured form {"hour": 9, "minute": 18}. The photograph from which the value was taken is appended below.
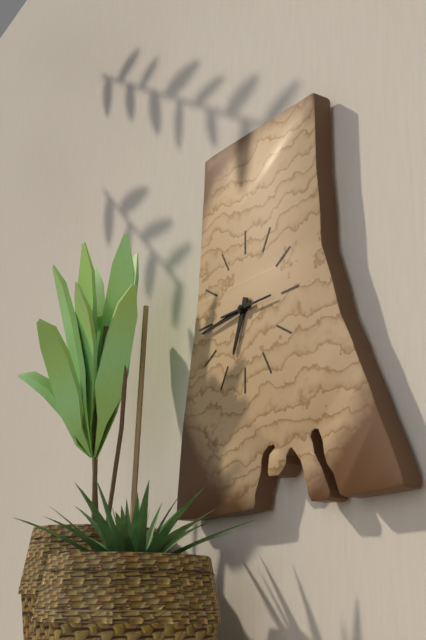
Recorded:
{"hour": 6, "minute": 44}
